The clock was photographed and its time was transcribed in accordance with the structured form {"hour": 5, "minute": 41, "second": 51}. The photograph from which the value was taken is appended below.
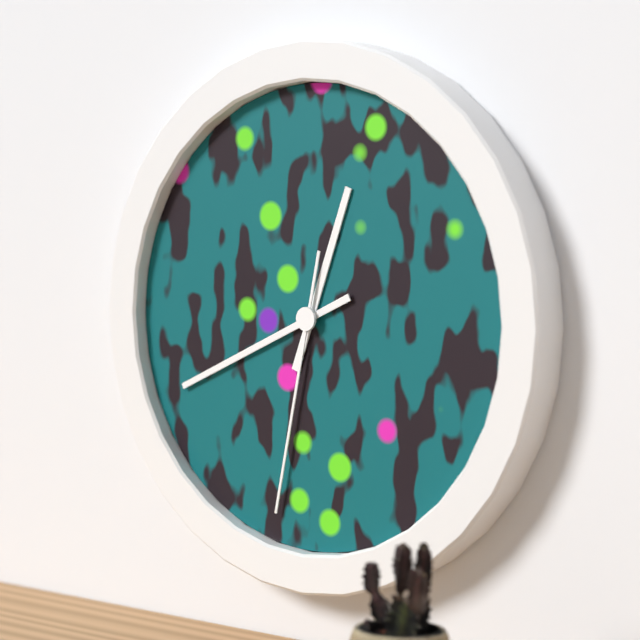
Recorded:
{"hour": 12, "minute": 41, "second": 32}
